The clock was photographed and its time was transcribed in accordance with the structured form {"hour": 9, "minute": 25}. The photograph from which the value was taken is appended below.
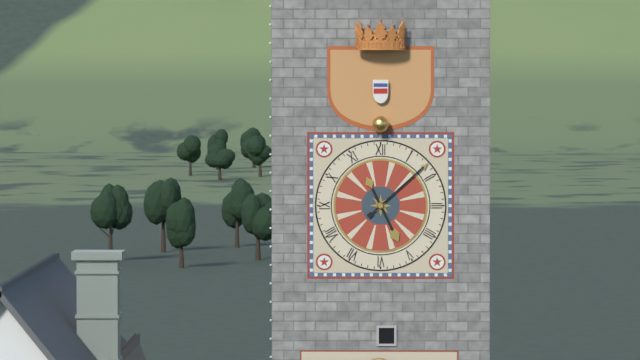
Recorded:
{"hour": 5, "minute": 8}
